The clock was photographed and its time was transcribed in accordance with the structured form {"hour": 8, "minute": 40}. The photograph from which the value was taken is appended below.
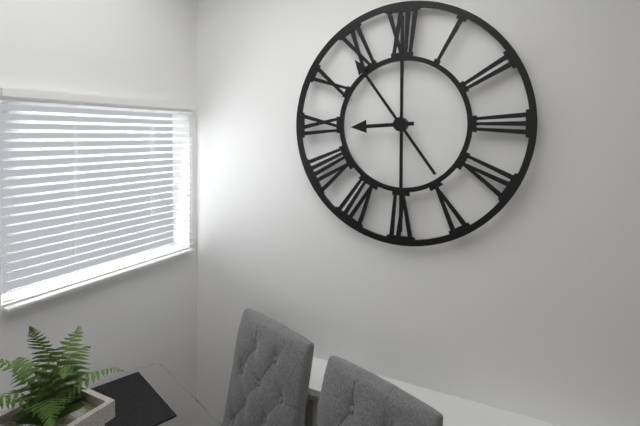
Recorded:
{"hour": 8, "minute": 54}
